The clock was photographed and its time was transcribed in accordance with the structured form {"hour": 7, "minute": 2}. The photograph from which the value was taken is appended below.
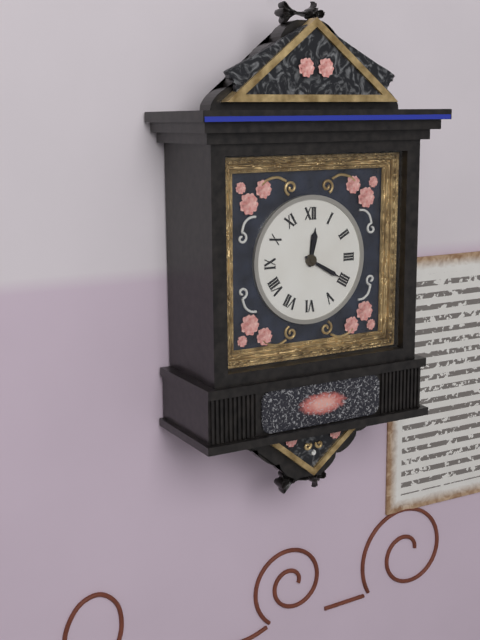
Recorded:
{"hour": 12, "minute": 20}
